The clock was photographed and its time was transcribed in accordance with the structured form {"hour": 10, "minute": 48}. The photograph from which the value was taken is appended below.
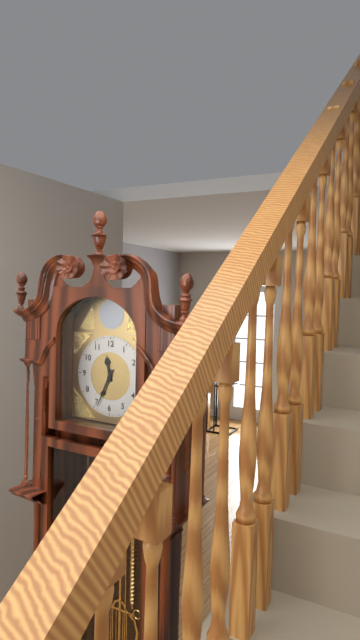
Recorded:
{"hour": 11, "minute": 34}
